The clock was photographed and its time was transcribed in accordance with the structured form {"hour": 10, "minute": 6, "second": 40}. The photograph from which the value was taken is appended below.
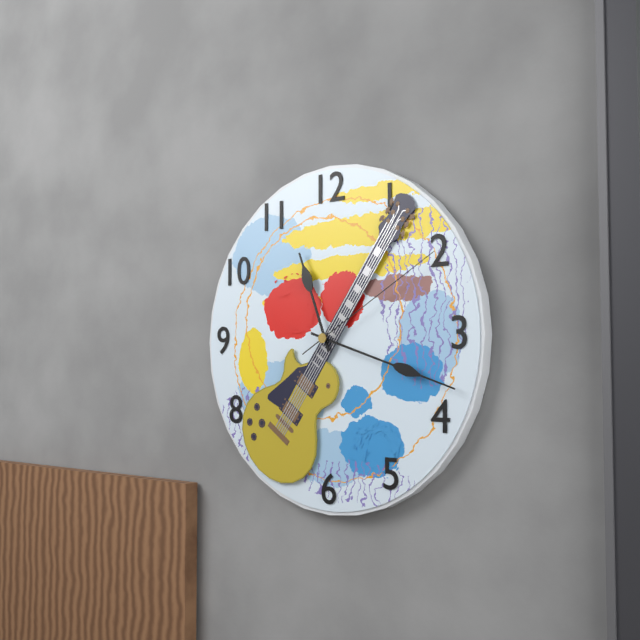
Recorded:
{"hour": 11, "minute": 18, "second": 10}
